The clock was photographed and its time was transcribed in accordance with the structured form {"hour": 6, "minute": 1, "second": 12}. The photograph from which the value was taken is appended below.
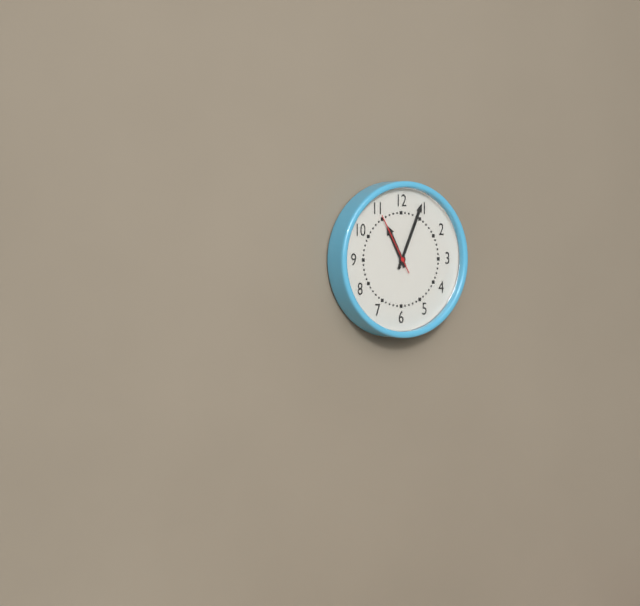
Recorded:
{"hour": 11, "minute": 4, "second": 55}
